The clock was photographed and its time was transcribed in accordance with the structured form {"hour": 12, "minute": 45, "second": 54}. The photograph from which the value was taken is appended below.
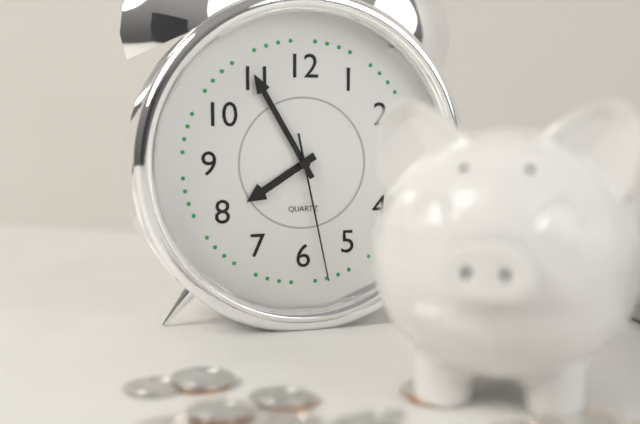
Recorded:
{"hour": 7, "minute": 55, "second": 28}
